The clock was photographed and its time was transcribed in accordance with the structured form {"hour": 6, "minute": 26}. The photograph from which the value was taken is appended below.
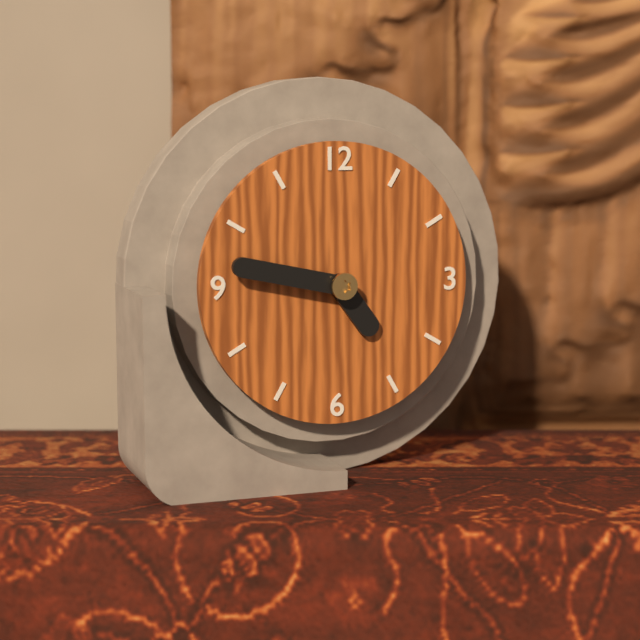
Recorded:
{"hour": 4, "minute": 47}
